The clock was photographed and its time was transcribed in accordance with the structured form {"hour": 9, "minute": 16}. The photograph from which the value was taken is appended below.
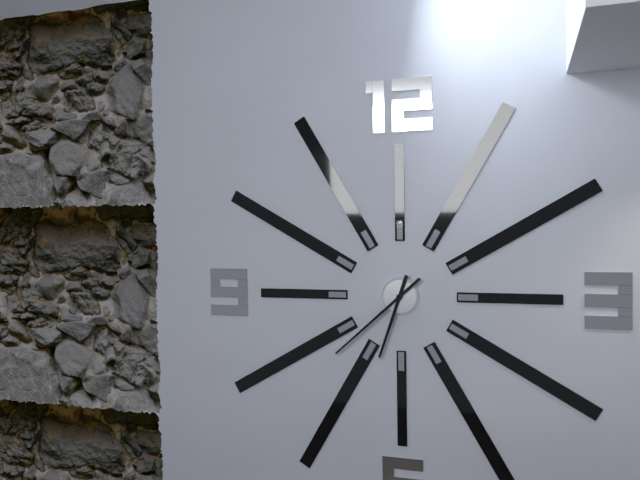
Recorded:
{"hour": 6, "minute": 38}
